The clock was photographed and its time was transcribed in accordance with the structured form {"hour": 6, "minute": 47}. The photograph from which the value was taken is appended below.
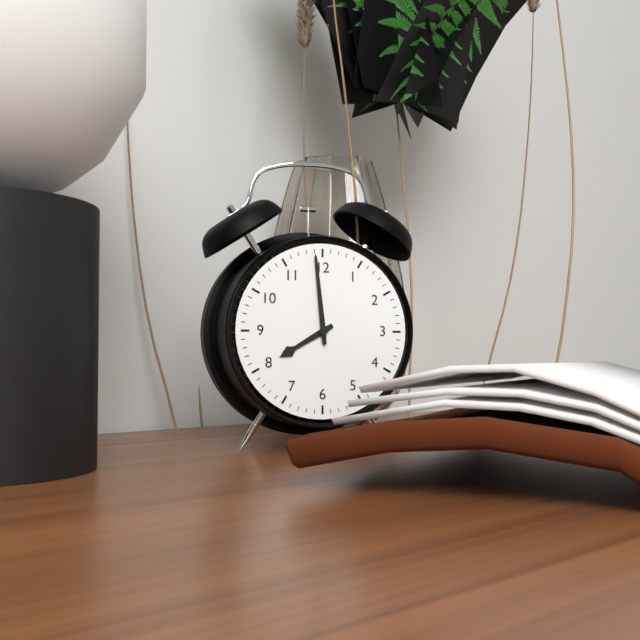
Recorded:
{"hour": 7, "minute": 59}
